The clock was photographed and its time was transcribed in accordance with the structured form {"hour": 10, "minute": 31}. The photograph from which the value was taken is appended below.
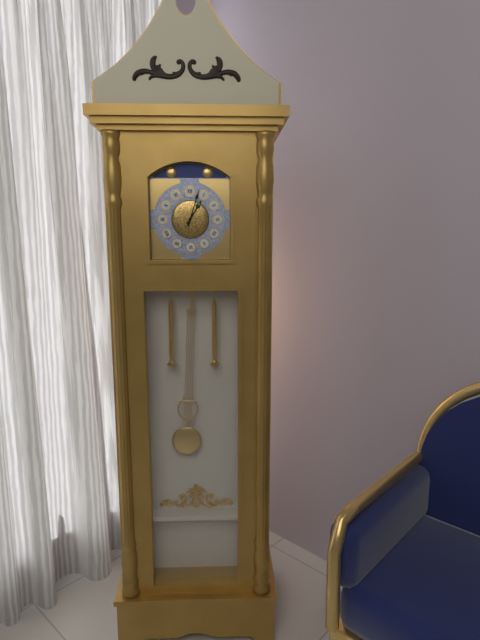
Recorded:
{"hour": 1, "minute": 3}
